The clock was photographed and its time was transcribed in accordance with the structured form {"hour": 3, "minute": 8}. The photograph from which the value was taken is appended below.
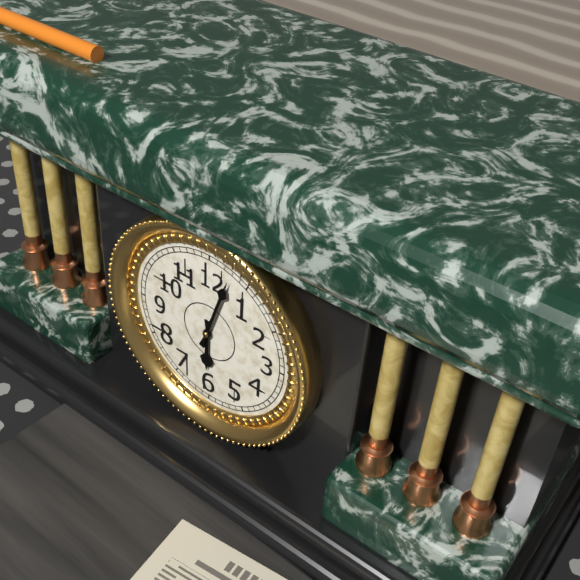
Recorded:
{"hour": 6, "minute": 3}
